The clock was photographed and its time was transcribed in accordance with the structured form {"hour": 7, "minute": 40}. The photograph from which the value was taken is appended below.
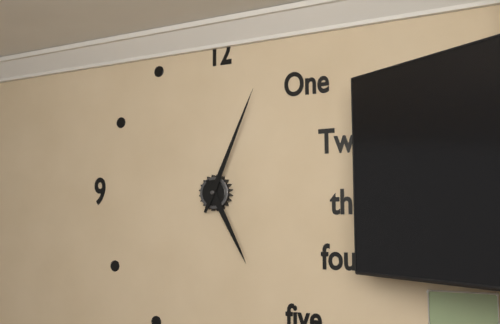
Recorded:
{"hour": 5, "minute": 4}
